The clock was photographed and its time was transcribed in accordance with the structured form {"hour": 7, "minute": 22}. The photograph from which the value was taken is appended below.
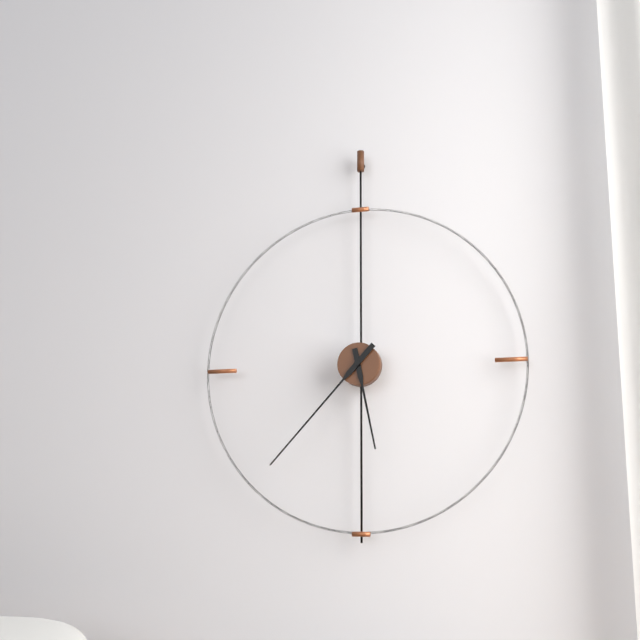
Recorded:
{"hour": 5, "minute": 37}
